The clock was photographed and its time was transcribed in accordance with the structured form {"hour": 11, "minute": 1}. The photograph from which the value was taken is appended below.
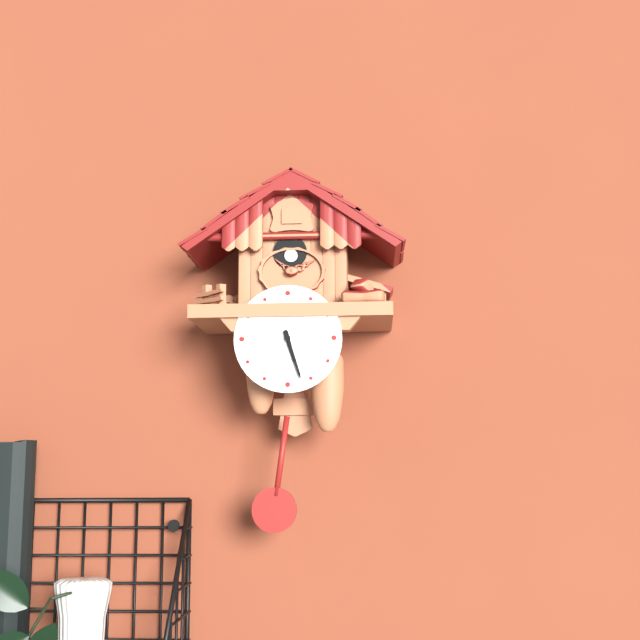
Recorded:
{"hour": 5, "minute": 27}
